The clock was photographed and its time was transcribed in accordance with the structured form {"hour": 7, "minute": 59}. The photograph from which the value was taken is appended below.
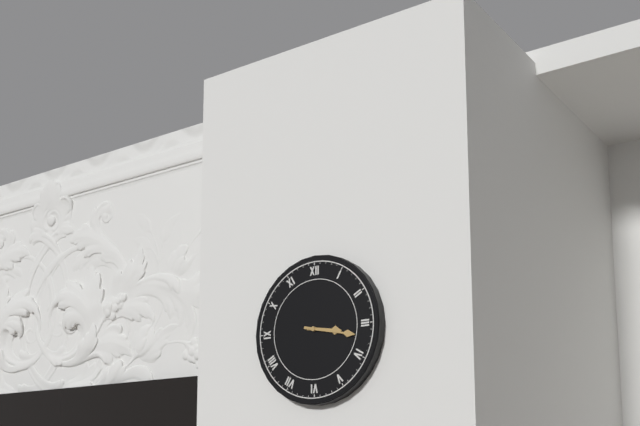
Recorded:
{"hour": 3, "minute": 17}
